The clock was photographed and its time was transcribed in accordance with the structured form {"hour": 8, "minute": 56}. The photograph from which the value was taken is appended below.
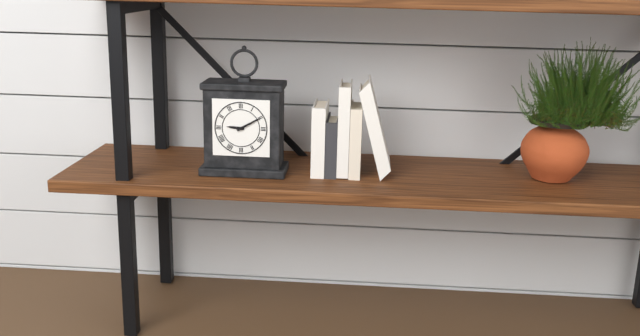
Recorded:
{"hour": 9, "minute": 10}
